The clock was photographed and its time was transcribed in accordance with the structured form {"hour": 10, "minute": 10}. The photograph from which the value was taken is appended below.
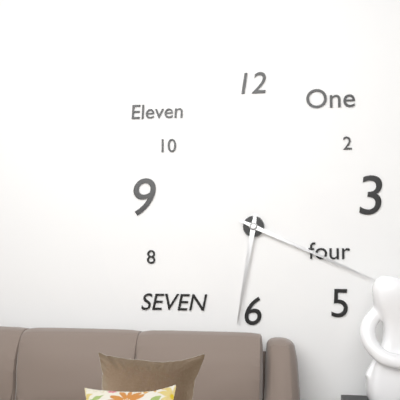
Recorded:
{"hour": 6, "minute": 19}
